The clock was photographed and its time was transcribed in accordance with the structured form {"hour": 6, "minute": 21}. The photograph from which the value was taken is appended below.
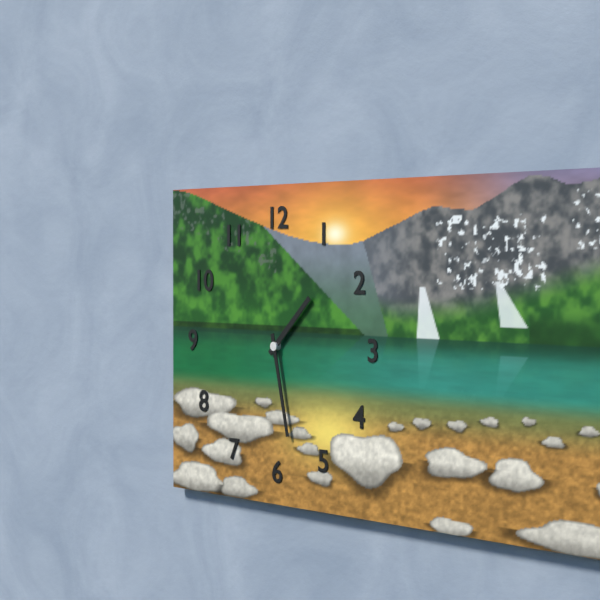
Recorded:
{"hour": 1, "minute": 28}
